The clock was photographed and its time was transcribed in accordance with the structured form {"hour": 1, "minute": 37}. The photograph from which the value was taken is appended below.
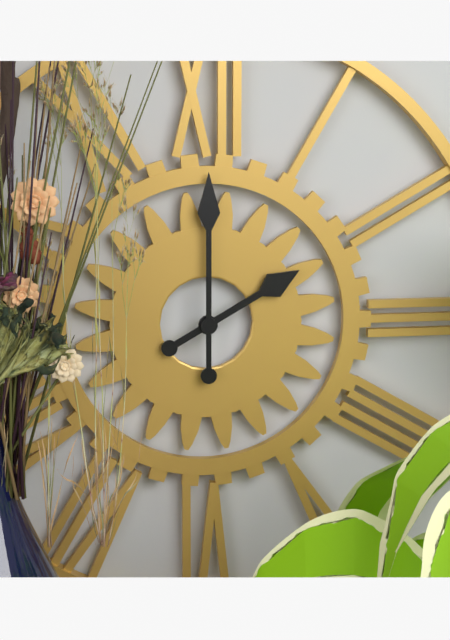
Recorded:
{"hour": 2, "minute": 0}
